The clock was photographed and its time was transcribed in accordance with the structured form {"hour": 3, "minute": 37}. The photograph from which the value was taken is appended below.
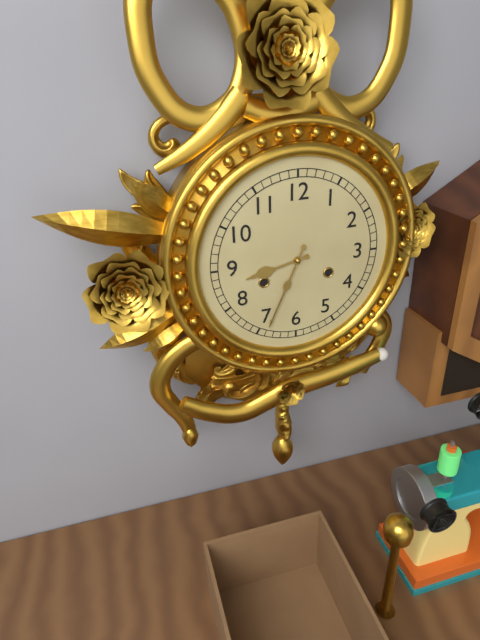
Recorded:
{"hour": 8, "minute": 34}
